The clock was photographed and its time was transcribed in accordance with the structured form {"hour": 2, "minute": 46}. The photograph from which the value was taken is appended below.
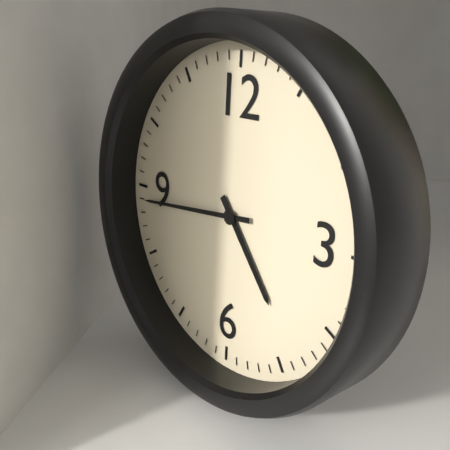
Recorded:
{"hour": 4, "minute": 44}
